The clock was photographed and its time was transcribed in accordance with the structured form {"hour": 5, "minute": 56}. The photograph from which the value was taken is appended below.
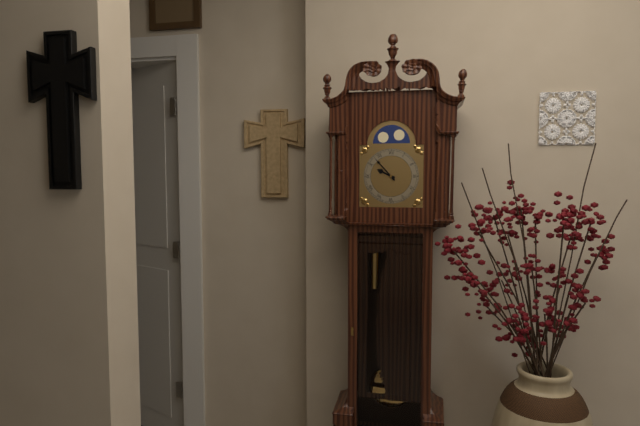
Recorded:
{"hour": 9, "minute": 53}
